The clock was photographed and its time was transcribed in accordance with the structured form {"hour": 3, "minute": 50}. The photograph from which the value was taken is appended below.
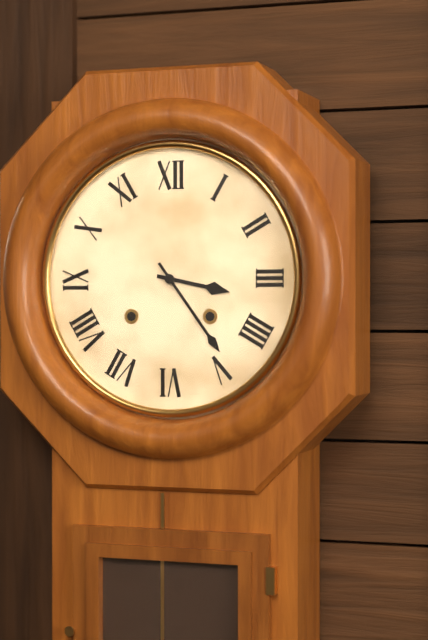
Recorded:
{"hour": 3, "minute": 24}
